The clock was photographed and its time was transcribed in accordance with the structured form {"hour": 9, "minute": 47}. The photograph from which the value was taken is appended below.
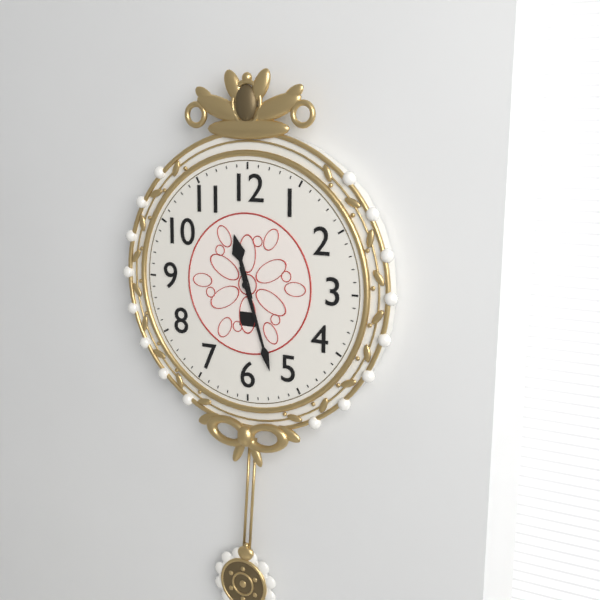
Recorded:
{"hour": 11, "minute": 27}
